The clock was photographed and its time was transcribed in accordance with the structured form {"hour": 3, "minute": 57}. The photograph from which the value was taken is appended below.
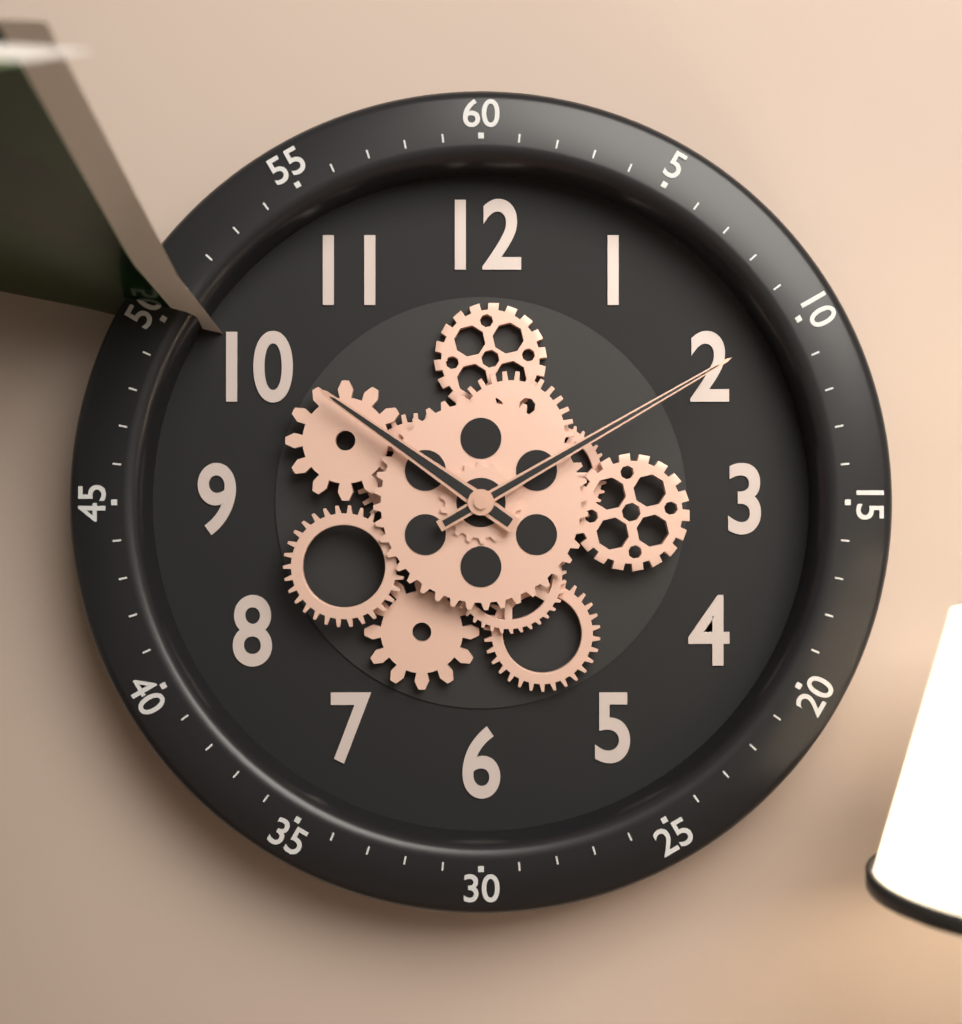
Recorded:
{"hour": 10, "minute": 10}
